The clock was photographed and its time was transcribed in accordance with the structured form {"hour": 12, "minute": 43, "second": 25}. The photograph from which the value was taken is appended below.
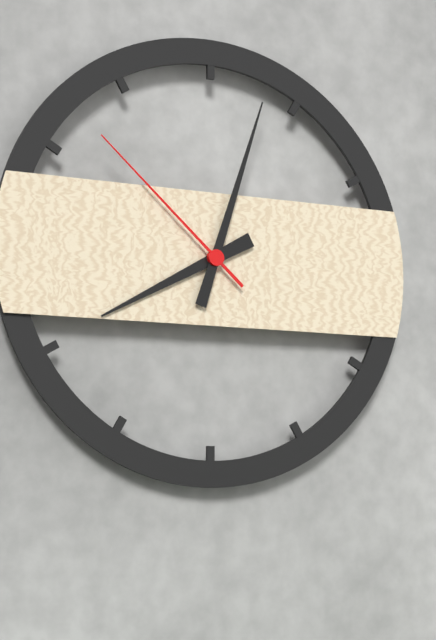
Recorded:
{"hour": 8, "minute": 3, "second": 52}
